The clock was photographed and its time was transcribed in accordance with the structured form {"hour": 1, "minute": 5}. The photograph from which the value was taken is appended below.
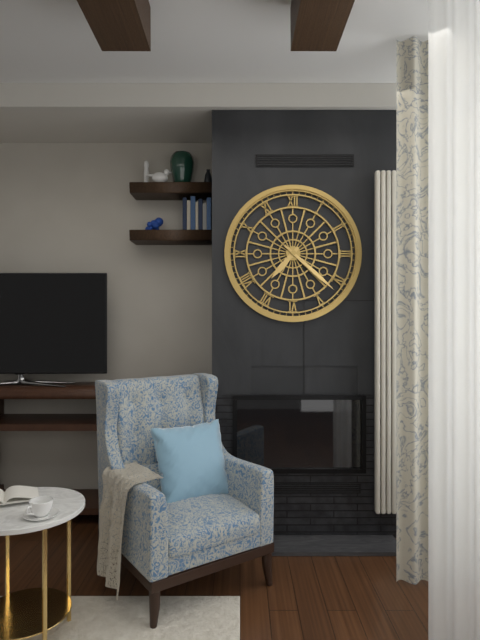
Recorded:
{"hour": 7, "minute": 22}
